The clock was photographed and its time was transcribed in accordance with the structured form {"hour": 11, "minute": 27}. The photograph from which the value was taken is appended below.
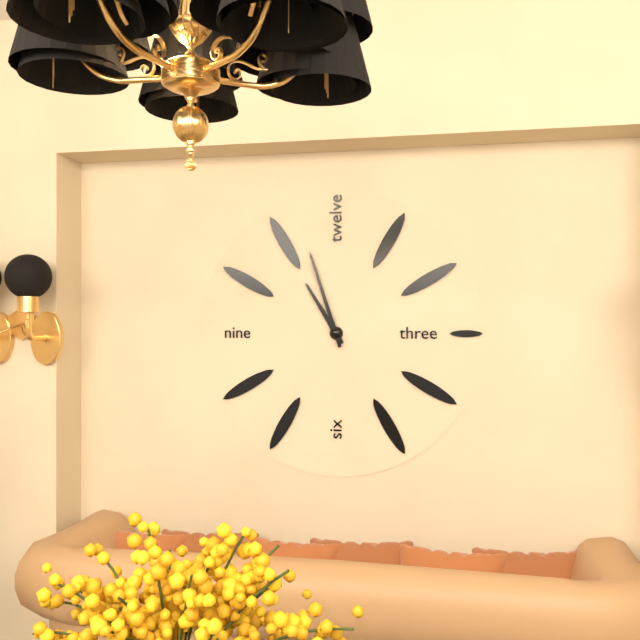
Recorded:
{"hour": 10, "minute": 57}
